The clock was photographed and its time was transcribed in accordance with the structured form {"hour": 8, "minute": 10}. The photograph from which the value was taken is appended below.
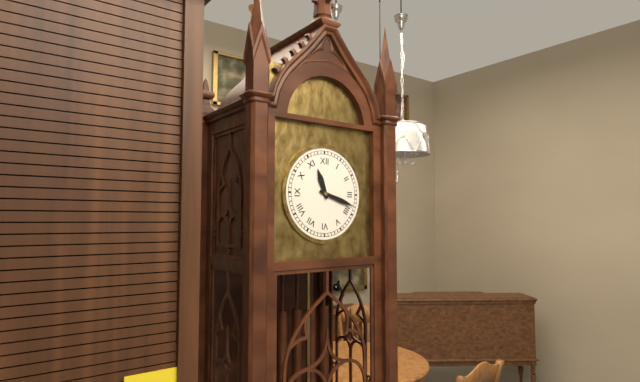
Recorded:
{"hour": 11, "minute": 18}
